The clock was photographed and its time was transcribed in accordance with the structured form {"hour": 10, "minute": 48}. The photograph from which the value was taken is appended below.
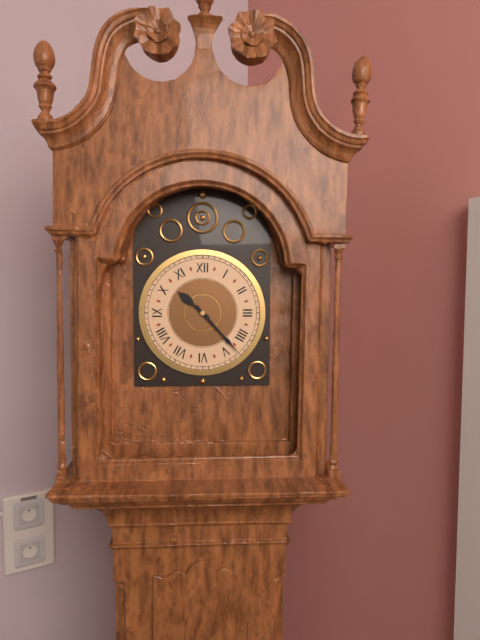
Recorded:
{"hour": 10, "minute": 23}
